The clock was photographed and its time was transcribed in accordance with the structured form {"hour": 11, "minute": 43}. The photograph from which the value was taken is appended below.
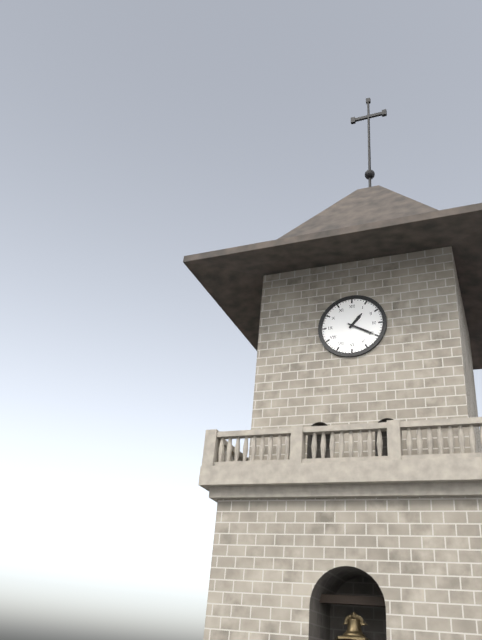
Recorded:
{"hour": 1, "minute": 20}
